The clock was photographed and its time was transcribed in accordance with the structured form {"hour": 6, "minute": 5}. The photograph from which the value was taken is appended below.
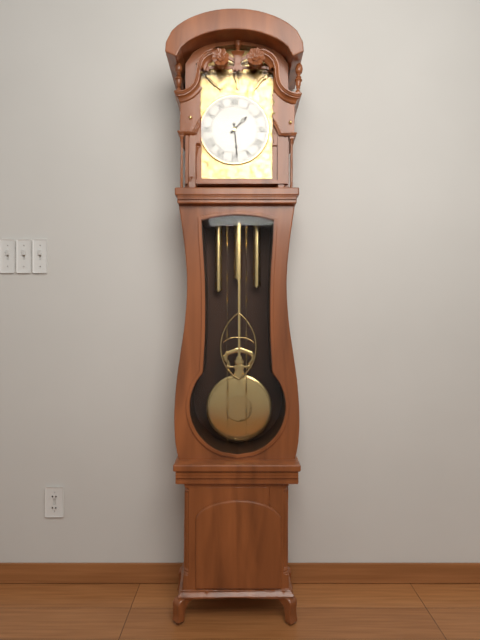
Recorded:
{"hour": 1, "minute": 29}
